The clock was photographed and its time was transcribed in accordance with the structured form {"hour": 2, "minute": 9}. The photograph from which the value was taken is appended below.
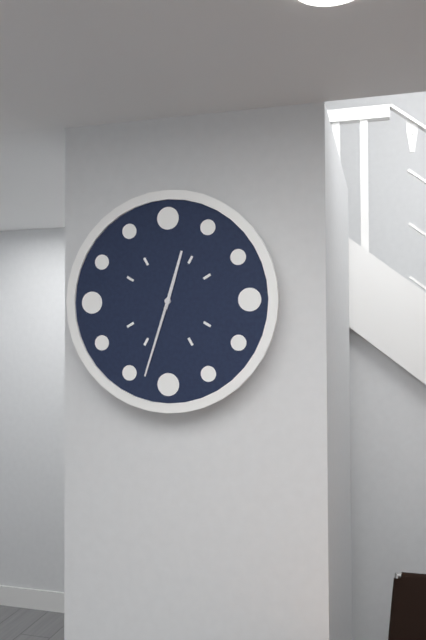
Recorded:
{"hour": 12, "minute": 33}
